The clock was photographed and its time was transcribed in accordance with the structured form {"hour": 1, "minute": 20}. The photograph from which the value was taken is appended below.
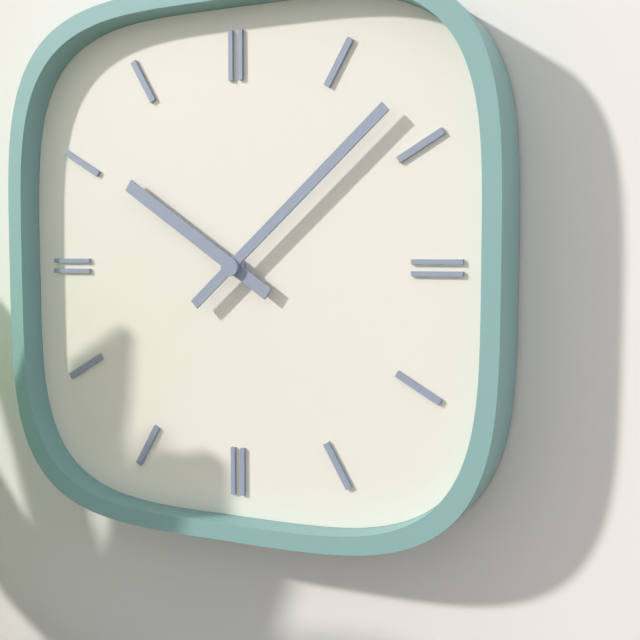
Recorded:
{"hour": 10, "minute": 8}
